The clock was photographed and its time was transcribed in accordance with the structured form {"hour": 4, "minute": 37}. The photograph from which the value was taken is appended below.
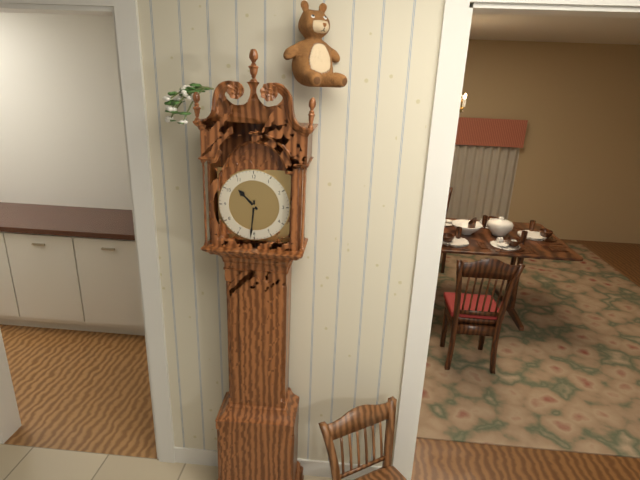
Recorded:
{"hour": 10, "minute": 31}
